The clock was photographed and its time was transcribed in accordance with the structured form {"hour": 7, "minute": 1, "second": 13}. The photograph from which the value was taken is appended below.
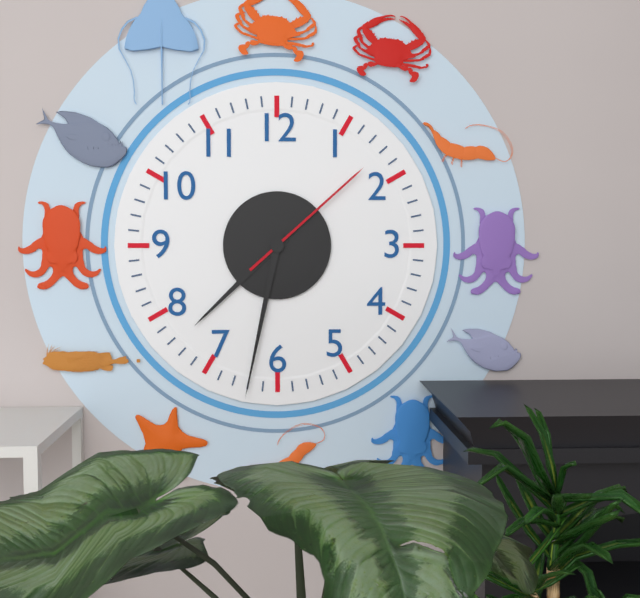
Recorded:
{"hour": 7, "minute": 32, "second": 8}
